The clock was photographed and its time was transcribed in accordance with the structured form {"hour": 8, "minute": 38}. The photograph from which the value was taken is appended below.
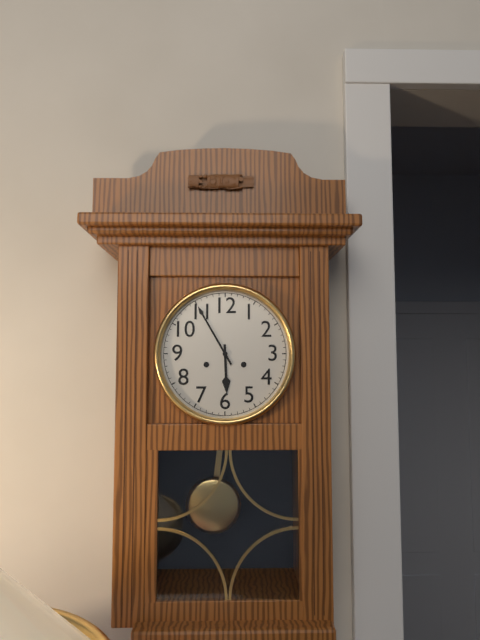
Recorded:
{"hour": 5, "minute": 55}
